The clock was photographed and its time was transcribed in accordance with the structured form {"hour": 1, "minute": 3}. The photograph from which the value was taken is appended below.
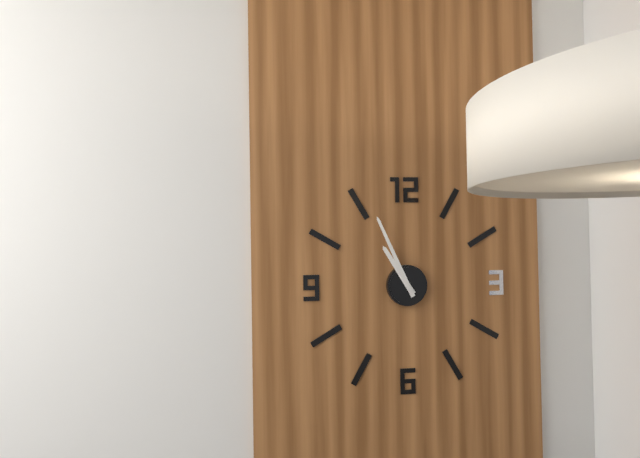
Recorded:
{"hour": 10, "minute": 56}
